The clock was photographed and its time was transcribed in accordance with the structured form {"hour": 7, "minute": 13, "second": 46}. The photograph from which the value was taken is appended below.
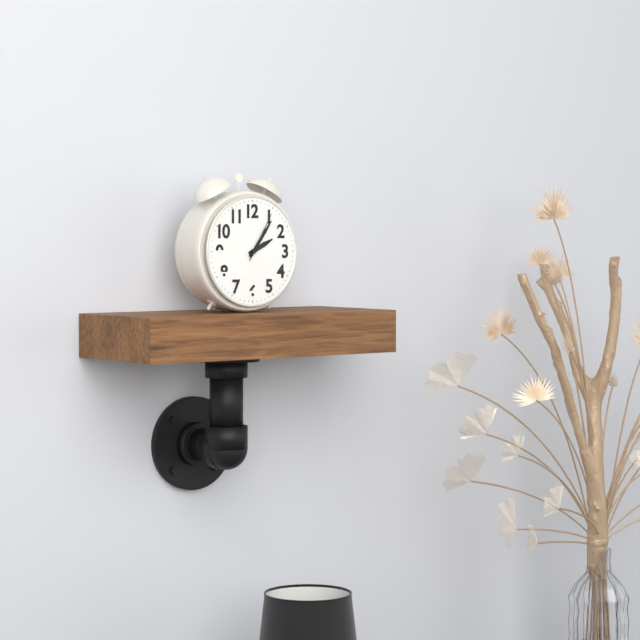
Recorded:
{"hour": 2, "minute": 6, "second": 5}
